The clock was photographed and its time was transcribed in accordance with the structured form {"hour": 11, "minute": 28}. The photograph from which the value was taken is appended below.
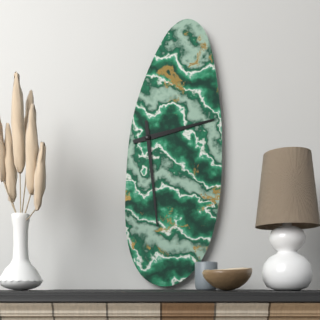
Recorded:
{"hour": 2, "minute": 29}
